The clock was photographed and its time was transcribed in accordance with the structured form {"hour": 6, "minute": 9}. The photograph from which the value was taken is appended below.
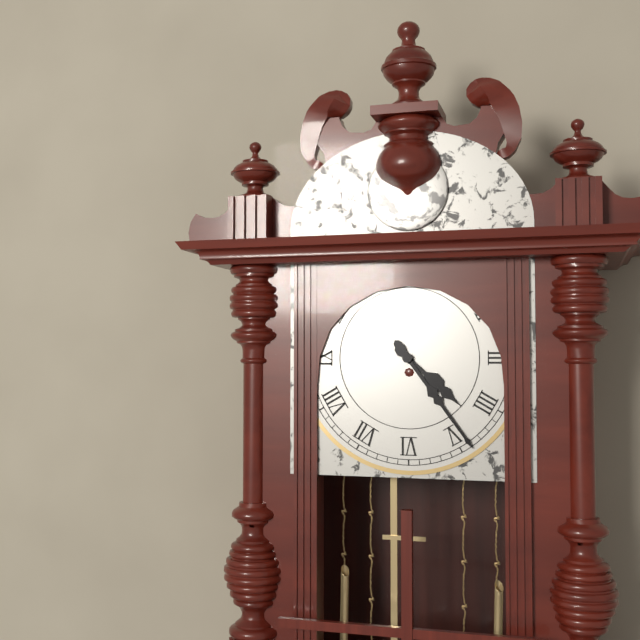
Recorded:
{"hour": 4, "minute": 24}
